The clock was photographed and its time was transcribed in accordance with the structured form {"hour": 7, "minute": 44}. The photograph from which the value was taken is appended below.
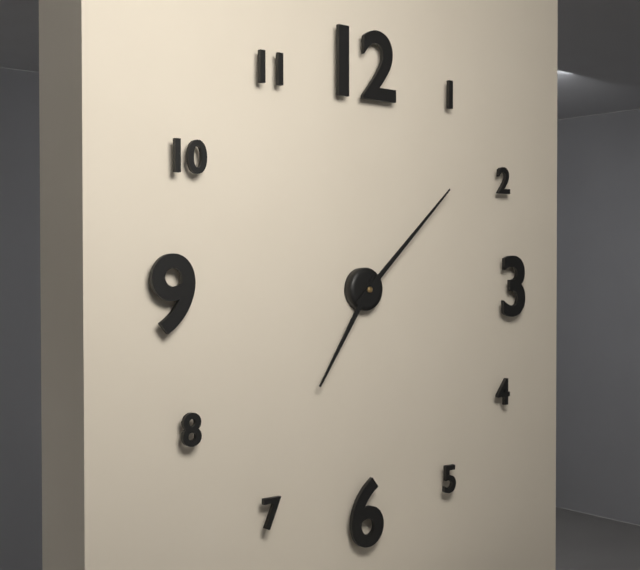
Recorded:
{"hour": 7, "minute": 8}
